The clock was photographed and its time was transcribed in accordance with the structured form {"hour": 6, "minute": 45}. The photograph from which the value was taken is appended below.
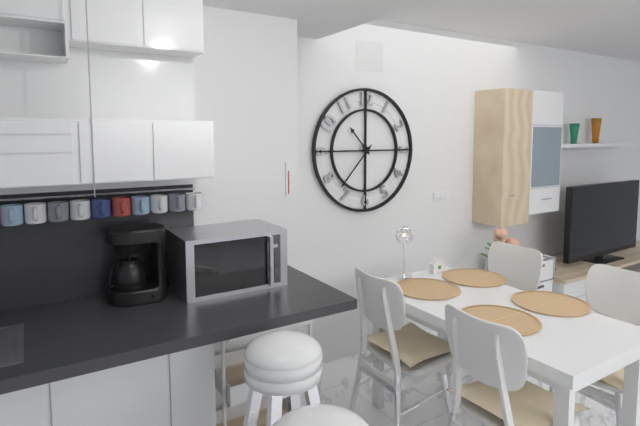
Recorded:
{"hour": 10, "minute": 37}
